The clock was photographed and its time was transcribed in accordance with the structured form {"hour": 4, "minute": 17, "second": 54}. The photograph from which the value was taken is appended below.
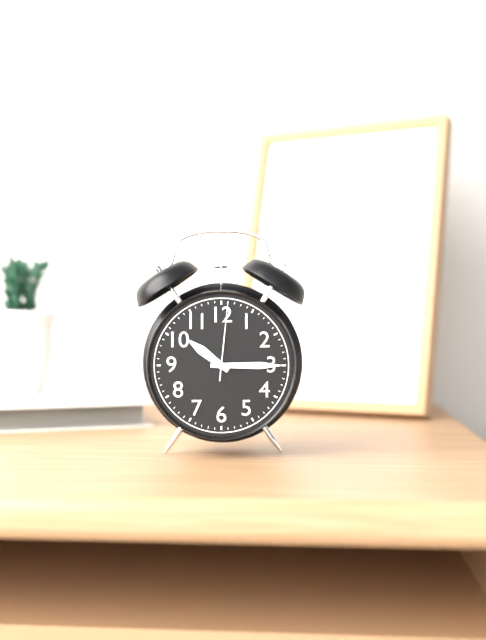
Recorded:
{"hour": 10, "minute": 15, "second": 1}
